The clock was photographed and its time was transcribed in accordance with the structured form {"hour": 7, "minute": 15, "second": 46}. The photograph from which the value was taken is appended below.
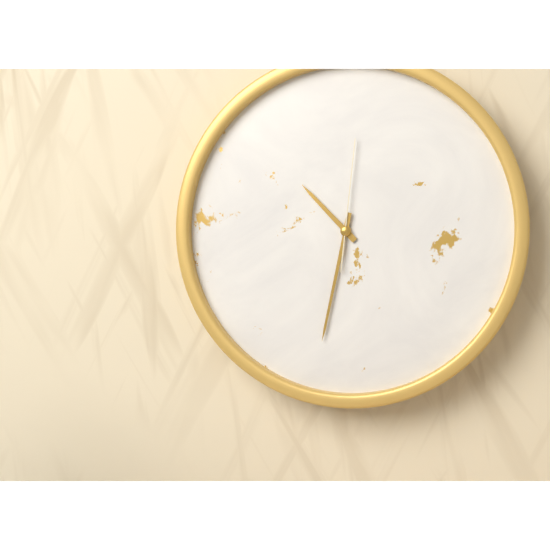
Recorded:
{"hour": 10, "minute": 32, "second": 1}
